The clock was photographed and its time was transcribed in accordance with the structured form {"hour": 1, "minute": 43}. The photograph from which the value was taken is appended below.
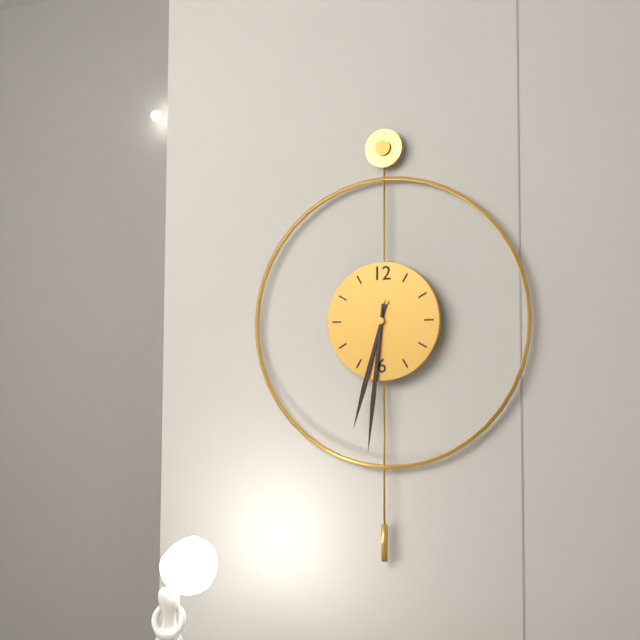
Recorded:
{"hour": 6, "minute": 31}
